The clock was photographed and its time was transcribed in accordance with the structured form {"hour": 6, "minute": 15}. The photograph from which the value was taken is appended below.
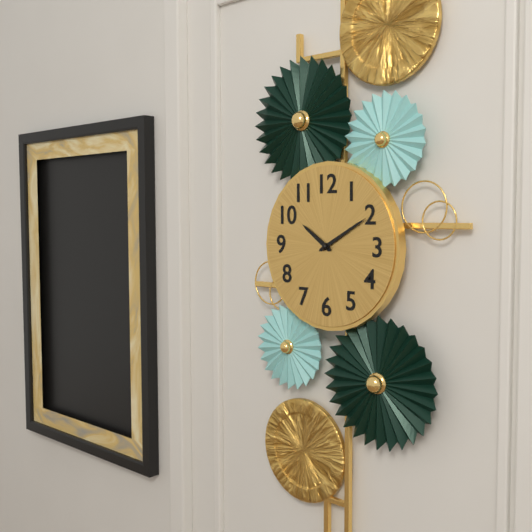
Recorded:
{"hour": 10, "minute": 10}
